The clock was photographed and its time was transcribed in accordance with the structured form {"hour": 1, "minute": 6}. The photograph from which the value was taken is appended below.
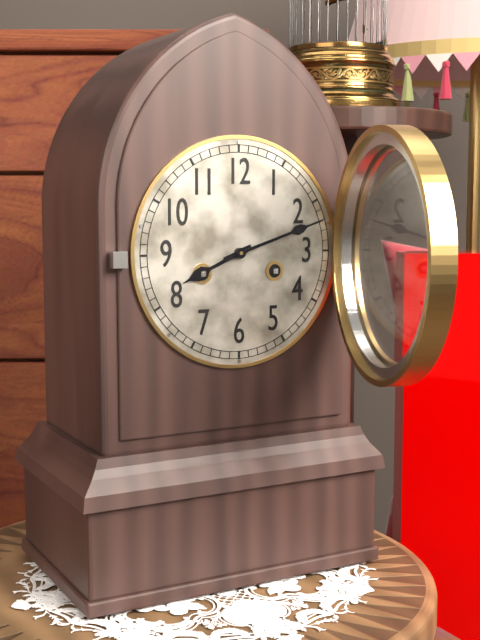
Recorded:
{"hour": 8, "minute": 12}
